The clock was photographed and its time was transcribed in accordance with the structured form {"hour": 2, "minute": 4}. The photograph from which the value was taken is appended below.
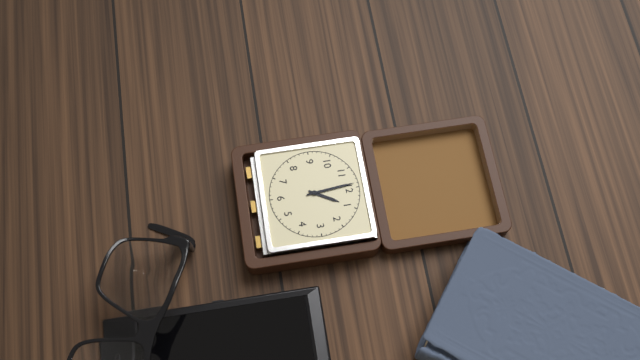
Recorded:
{"hour": 12, "minute": 59}
